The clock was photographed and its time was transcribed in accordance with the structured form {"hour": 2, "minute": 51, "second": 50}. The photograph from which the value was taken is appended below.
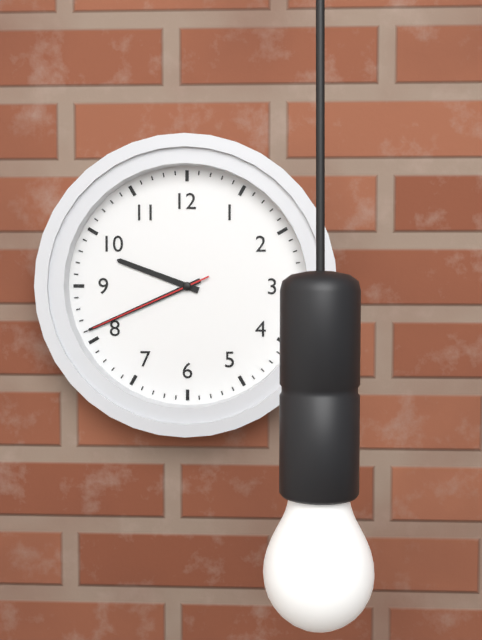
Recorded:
{"hour": 9, "minute": 41, "second": 41}
